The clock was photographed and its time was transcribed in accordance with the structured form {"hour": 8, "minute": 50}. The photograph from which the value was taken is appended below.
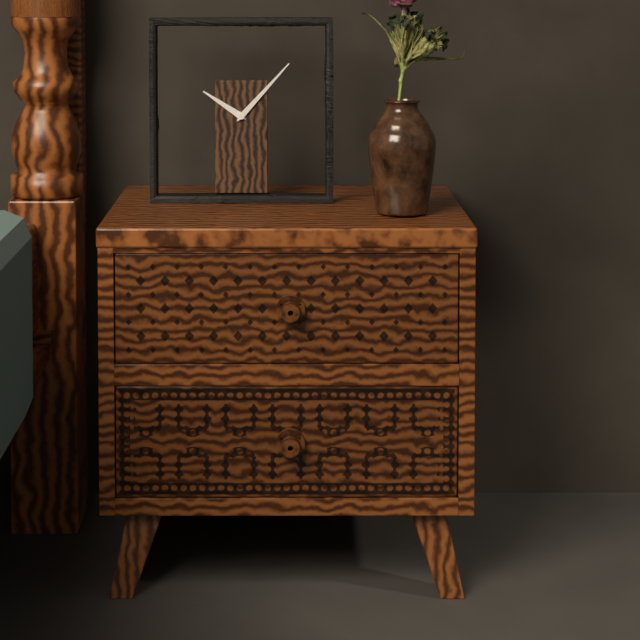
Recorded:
{"hour": 10, "minute": 7}
